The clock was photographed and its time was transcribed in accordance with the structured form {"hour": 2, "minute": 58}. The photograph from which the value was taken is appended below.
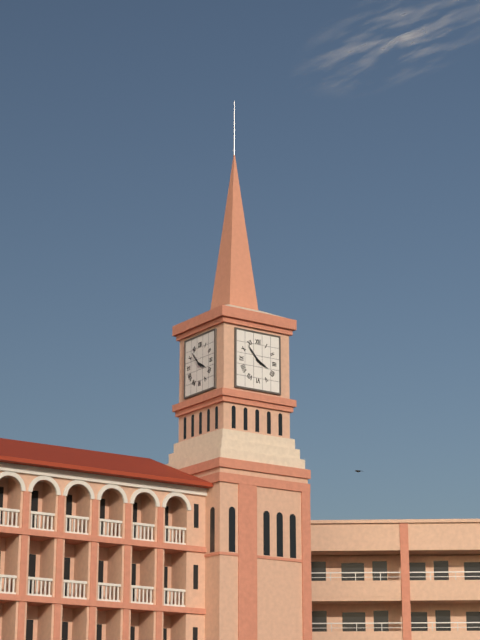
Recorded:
{"hour": 3, "minute": 53}
